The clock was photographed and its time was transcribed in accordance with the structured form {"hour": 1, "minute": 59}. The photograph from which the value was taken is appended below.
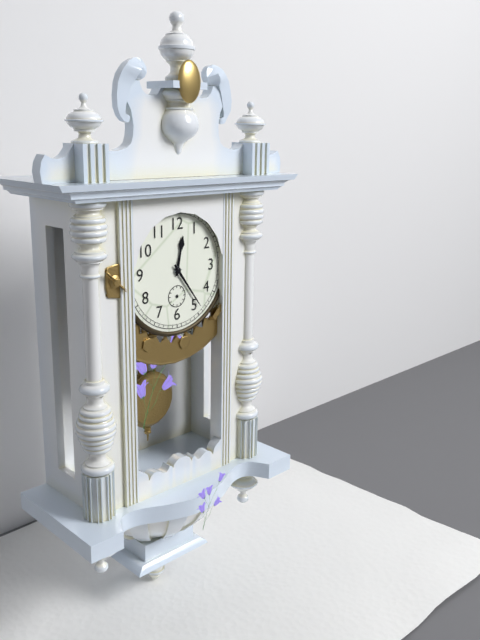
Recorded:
{"hour": 12, "minute": 24}
